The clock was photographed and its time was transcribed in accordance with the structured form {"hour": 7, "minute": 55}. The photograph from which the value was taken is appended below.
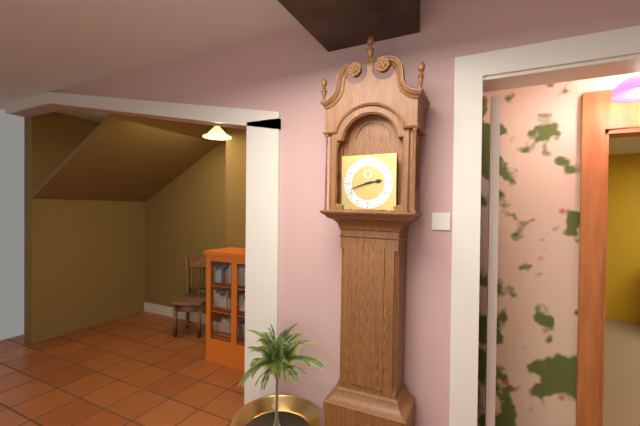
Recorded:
{"hour": 2, "minute": 42}
